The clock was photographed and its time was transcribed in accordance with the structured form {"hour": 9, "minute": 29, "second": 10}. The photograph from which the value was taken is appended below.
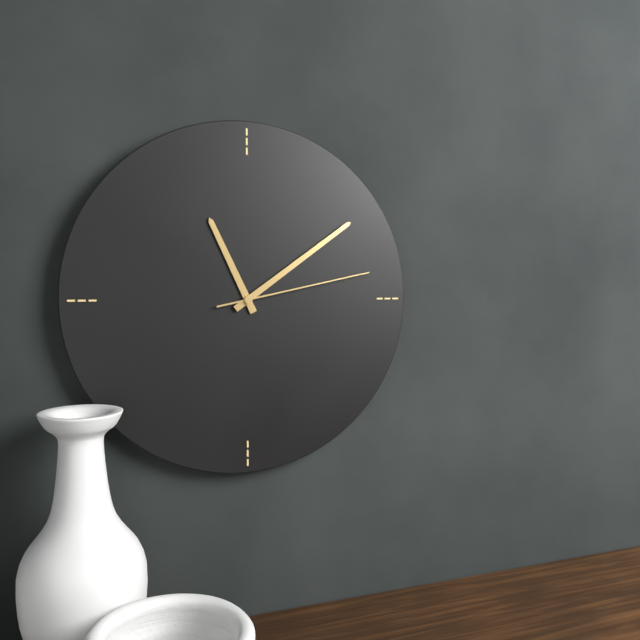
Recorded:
{"hour": 11, "minute": 9, "second": 13}
